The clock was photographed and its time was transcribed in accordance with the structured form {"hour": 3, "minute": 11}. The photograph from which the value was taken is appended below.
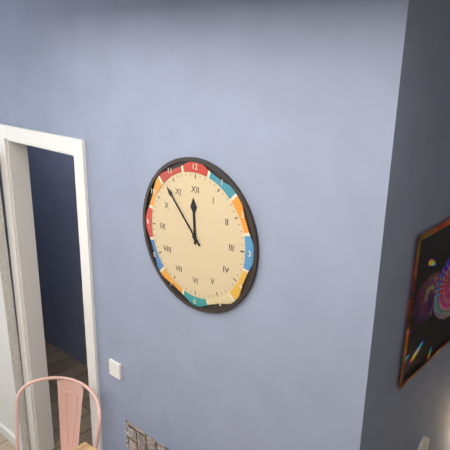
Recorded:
{"hour": 11, "minute": 53}
